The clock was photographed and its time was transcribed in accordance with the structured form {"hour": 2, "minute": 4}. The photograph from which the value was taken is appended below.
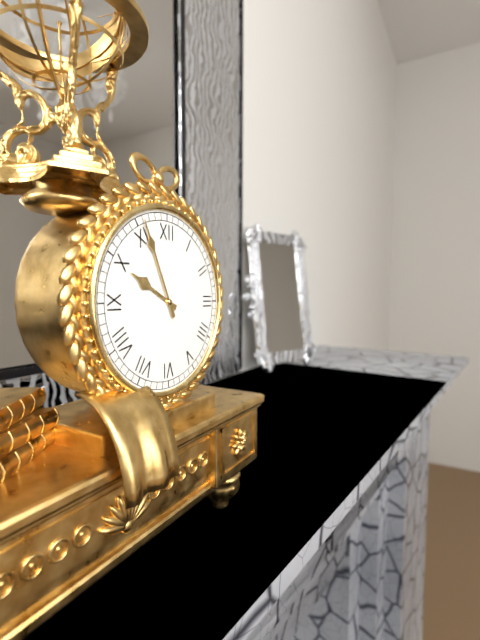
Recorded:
{"hour": 9, "minute": 56}
